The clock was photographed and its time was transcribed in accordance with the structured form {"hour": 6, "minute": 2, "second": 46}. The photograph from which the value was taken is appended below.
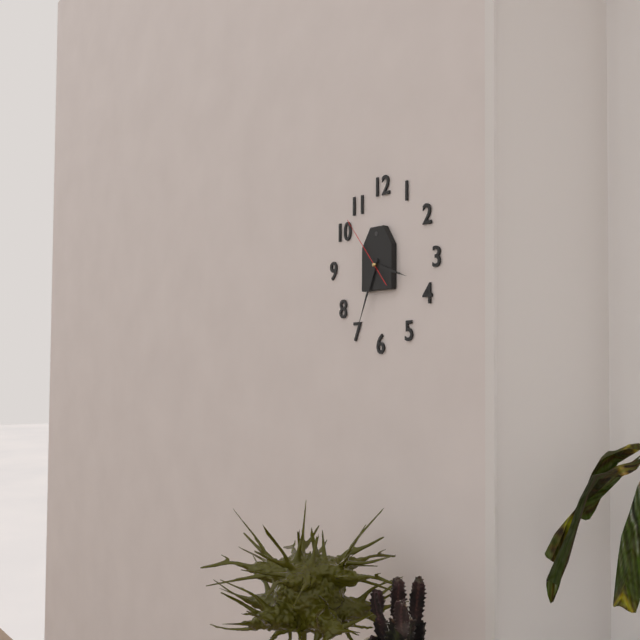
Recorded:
{"hour": 3, "minute": 34, "second": 53}
